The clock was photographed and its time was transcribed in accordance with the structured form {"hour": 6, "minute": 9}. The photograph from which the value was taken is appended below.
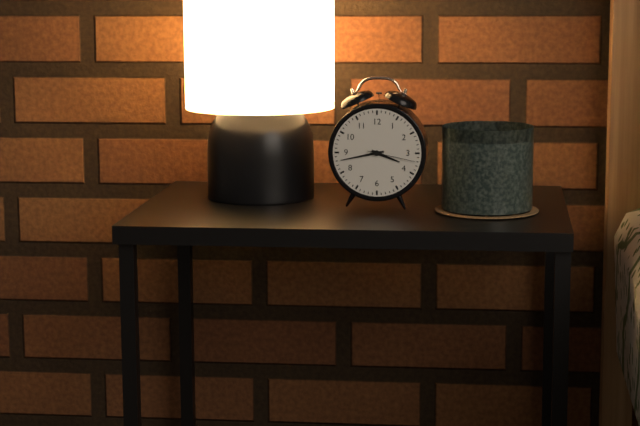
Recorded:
{"hour": 3, "minute": 43}
